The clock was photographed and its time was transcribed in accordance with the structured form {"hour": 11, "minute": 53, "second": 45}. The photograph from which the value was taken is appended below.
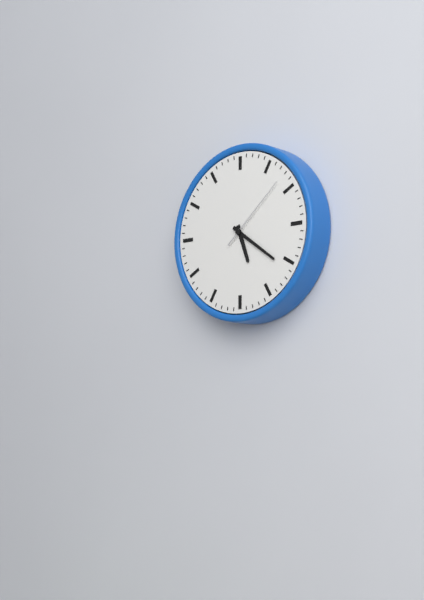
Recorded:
{"hour": 5, "minute": 21, "second": 8}
